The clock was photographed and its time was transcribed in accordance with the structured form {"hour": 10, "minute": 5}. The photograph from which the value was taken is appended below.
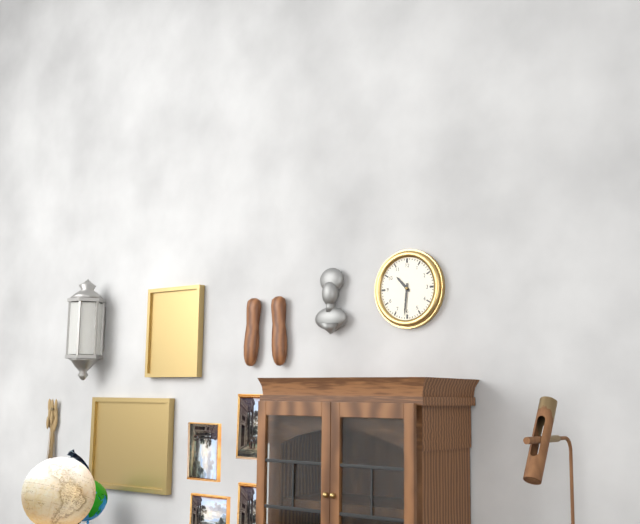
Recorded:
{"hour": 10, "minute": 31}
